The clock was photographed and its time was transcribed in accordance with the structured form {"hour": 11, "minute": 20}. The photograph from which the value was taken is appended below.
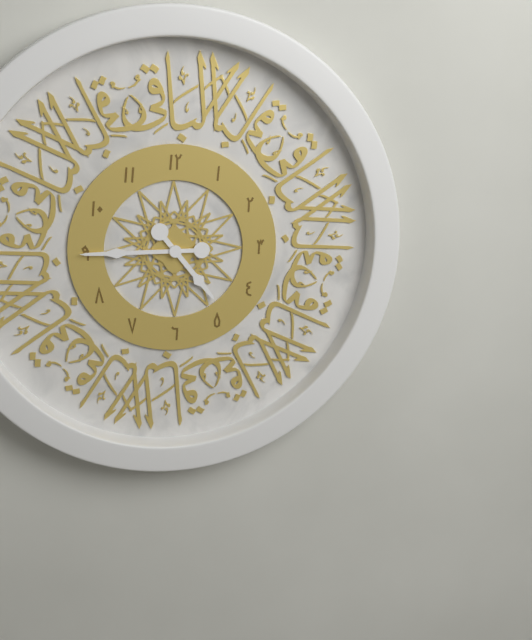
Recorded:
{"hour": 4, "minute": 45}
